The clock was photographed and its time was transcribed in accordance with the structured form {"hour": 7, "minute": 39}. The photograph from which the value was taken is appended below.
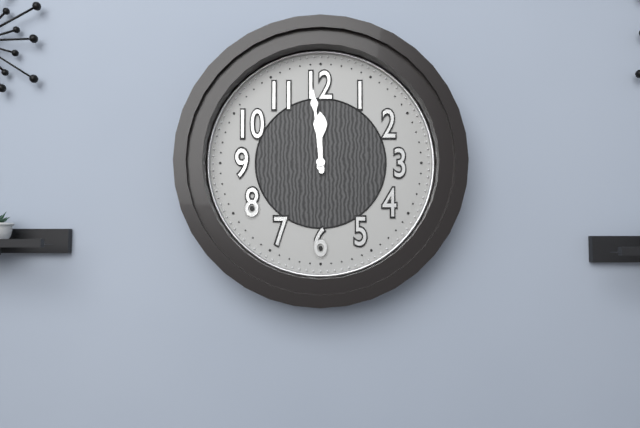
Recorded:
{"hour": 11, "minute": 59}
